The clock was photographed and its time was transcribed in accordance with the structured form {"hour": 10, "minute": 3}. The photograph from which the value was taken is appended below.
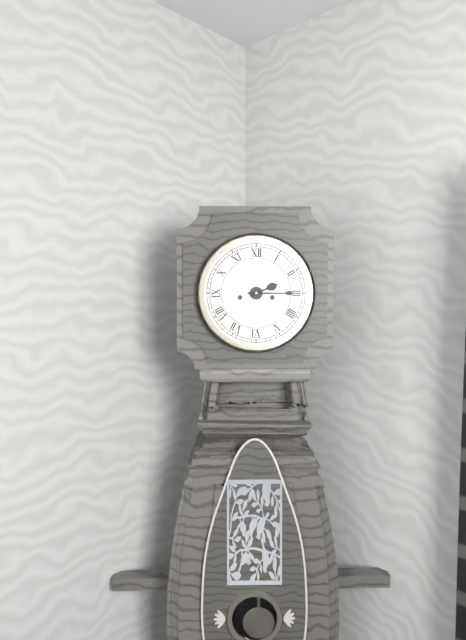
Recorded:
{"hour": 2, "minute": 15}
